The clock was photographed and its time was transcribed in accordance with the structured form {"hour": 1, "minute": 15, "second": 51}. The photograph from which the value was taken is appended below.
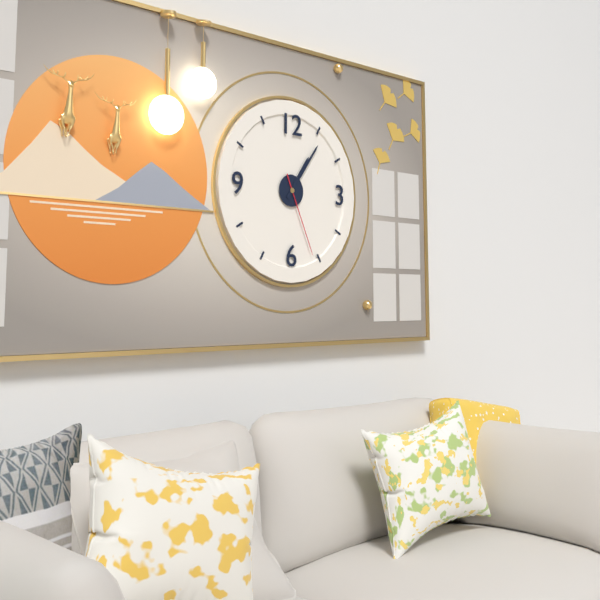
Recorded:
{"hour": 1, "minute": 6, "second": 26}
